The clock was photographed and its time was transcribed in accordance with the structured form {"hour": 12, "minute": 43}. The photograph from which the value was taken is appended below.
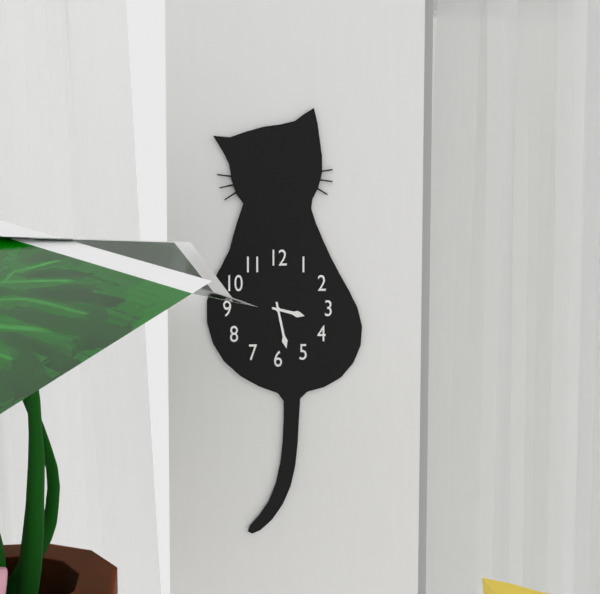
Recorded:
{"hour": 3, "minute": 28}
